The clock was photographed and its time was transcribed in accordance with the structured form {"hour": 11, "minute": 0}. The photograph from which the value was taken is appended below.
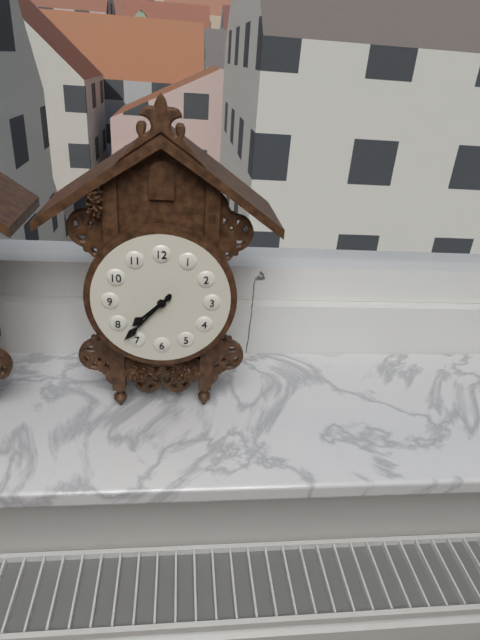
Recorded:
{"hour": 7, "minute": 37}
